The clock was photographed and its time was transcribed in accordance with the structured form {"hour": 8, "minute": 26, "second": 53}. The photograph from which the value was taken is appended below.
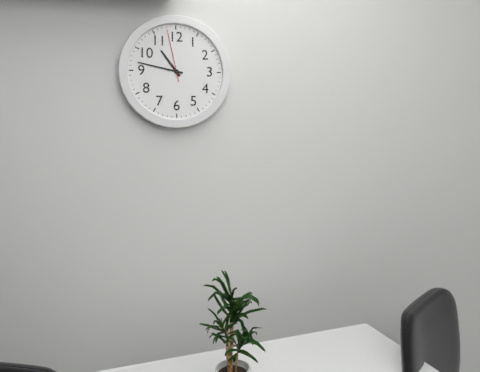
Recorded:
{"hour": 10, "minute": 47, "second": 58}
